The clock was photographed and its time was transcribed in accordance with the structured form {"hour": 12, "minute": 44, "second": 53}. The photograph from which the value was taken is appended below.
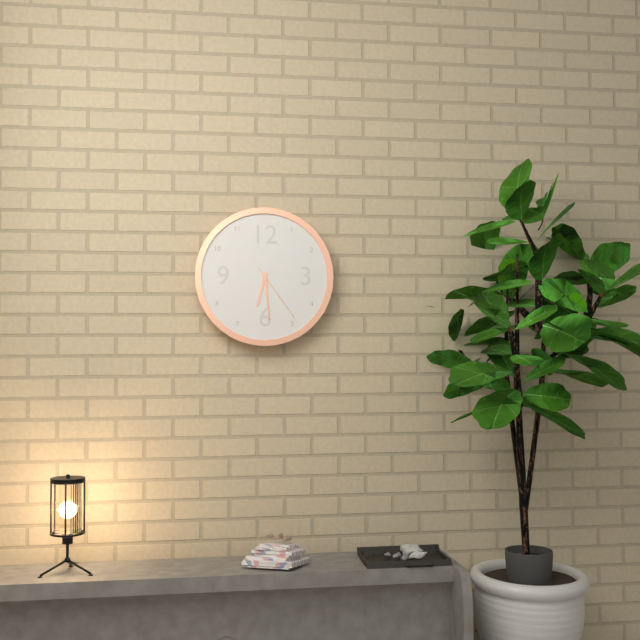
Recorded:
{"hour": 6, "minute": 29, "second": 24}
